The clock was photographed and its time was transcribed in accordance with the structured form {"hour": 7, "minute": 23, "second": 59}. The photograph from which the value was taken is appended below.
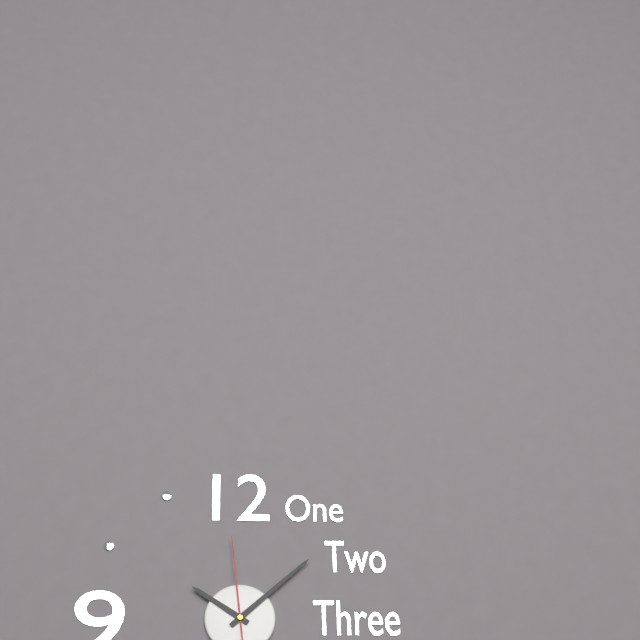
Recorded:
{"hour": 10, "minute": 8, "second": 59}
